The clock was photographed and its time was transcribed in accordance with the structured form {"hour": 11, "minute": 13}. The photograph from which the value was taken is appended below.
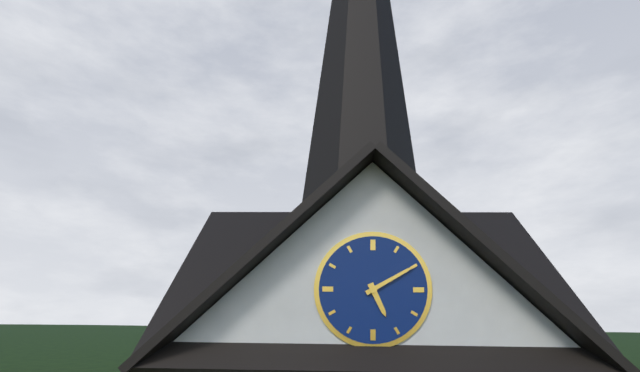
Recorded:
{"hour": 5, "minute": 10}
